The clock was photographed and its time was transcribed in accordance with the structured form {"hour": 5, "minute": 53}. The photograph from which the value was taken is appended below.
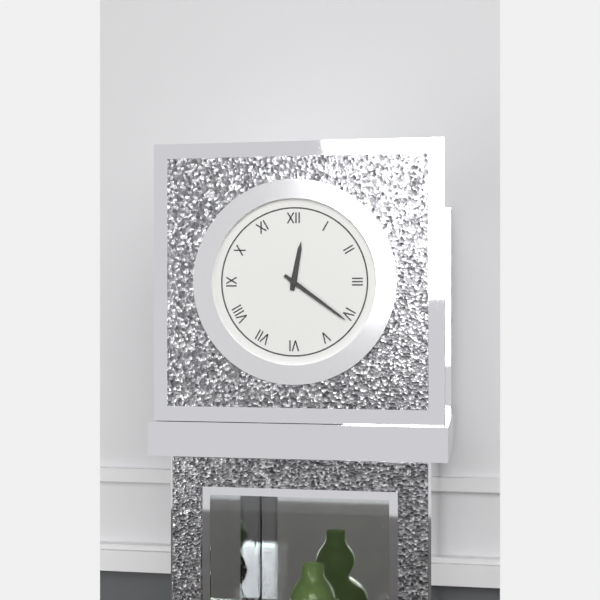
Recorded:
{"hour": 12, "minute": 21}
